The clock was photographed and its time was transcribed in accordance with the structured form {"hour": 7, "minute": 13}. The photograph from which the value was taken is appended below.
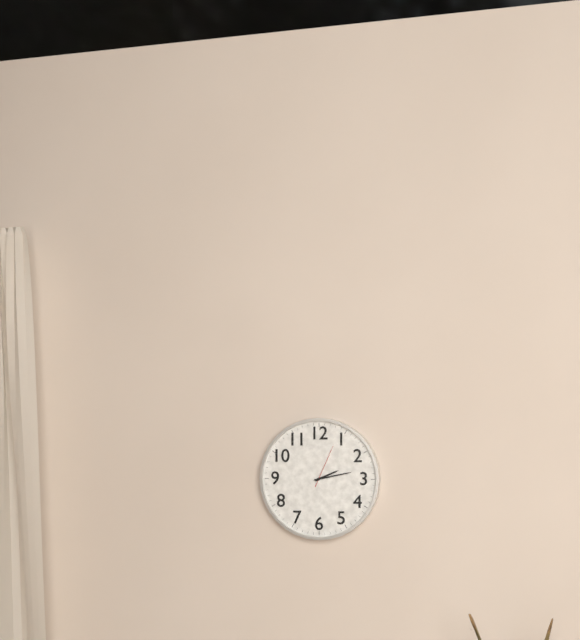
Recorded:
{"hour": 2, "minute": 13}
